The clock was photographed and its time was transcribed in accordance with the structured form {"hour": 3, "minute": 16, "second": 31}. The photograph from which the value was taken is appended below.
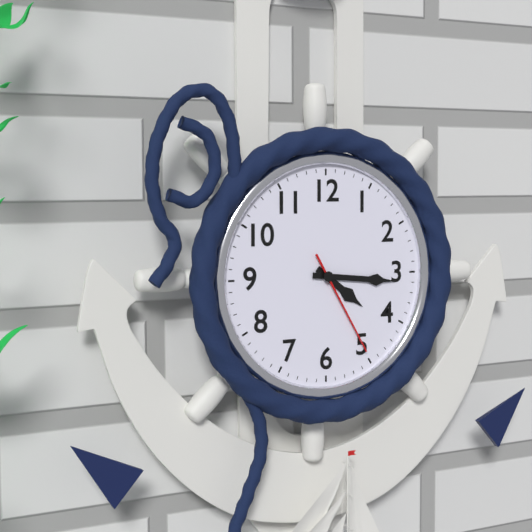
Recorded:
{"hour": 4, "minute": 16, "second": 25}
